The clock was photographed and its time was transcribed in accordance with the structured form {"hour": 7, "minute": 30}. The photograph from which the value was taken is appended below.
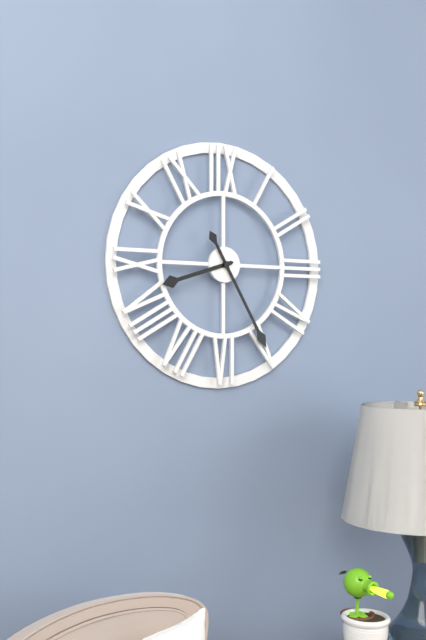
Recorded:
{"hour": 8, "minute": 25}
